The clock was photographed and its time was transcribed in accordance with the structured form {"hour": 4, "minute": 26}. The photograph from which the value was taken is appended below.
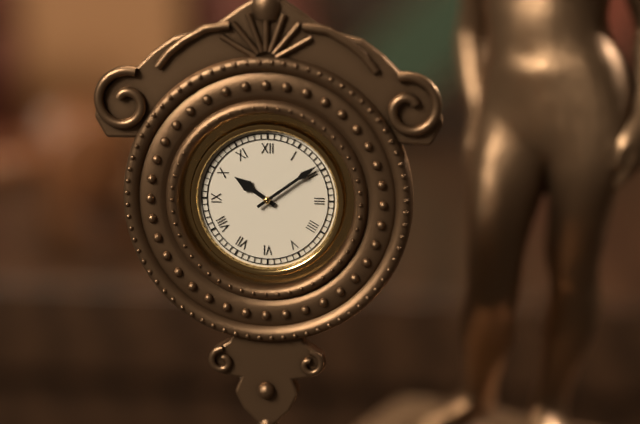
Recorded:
{"hour": 10, "minute": 9}
